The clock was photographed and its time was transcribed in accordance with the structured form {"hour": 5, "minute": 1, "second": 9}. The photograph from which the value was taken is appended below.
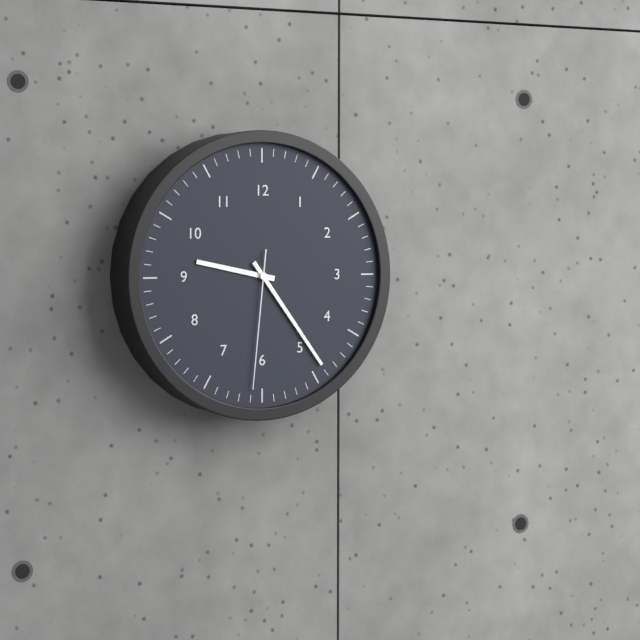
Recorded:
{"hour": 9, "minute": 24, "second": 31}
